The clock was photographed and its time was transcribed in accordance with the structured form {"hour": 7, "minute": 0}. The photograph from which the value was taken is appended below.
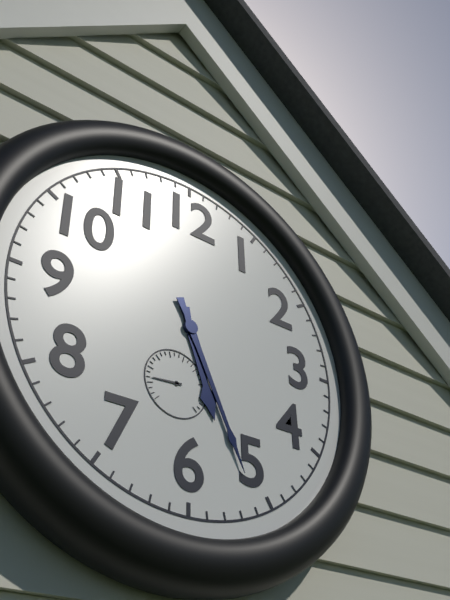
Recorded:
{"hour": 5, "minute": 26}
